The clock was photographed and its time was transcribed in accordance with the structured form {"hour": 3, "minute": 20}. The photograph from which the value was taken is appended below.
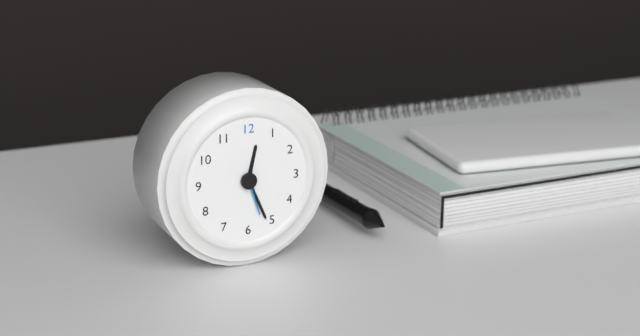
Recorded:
{"hour": 12, "minute": 26}
